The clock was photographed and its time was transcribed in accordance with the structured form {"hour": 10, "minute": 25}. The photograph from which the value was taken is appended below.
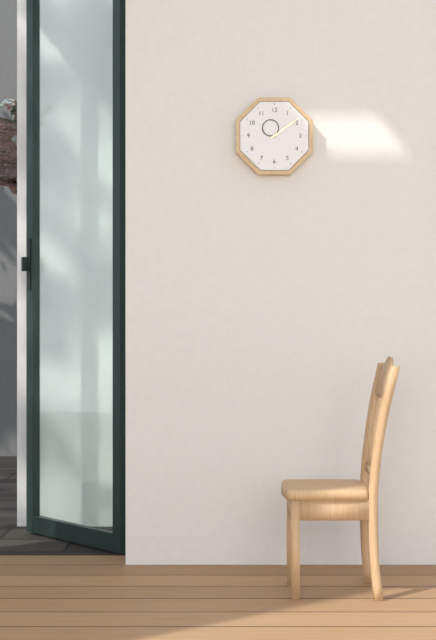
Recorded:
{"hour": 11, "minute": 9}
